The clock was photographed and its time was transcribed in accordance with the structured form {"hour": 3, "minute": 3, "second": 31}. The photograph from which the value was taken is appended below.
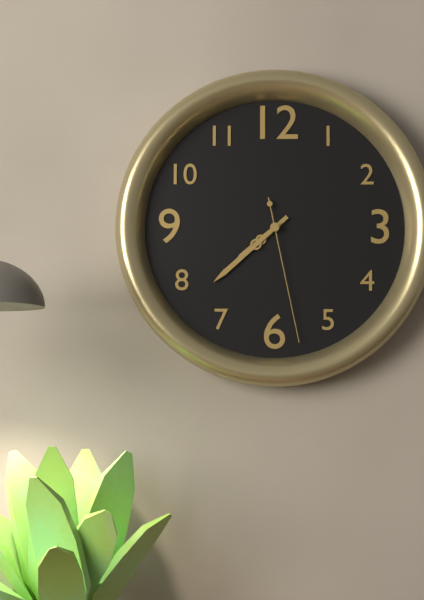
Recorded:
{"hour": 7, "minute": 38, "second": 28}
